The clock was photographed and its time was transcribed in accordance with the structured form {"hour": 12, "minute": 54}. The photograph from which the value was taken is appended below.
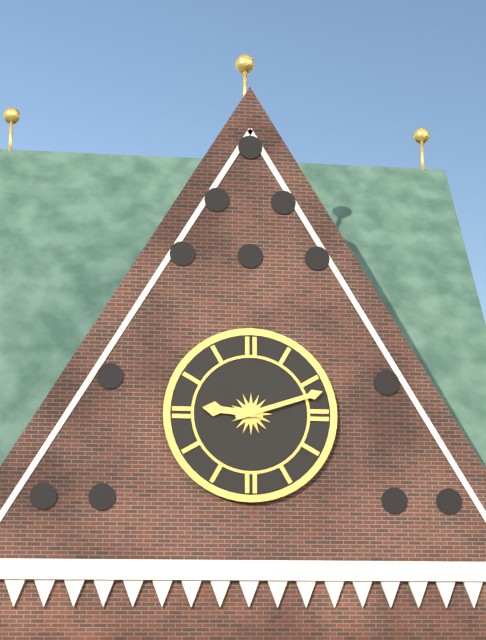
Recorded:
{"hour": 9, "minute": 12}
